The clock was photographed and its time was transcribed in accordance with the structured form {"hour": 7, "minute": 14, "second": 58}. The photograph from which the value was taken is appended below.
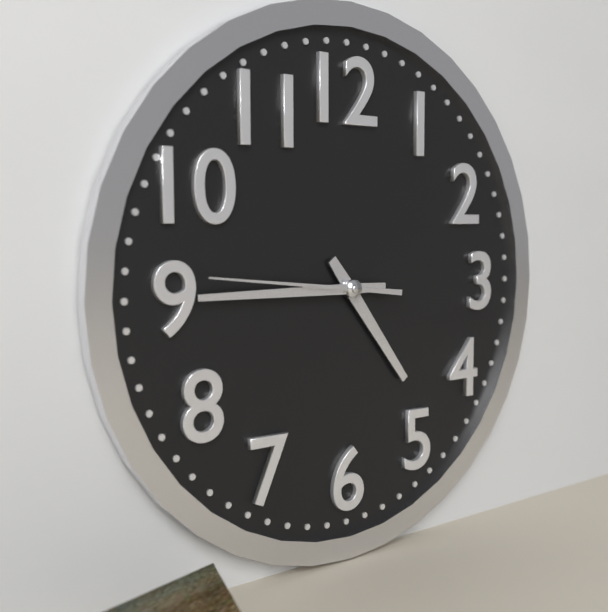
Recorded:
{"hour": 4, "minute": 45, "second": 46}
